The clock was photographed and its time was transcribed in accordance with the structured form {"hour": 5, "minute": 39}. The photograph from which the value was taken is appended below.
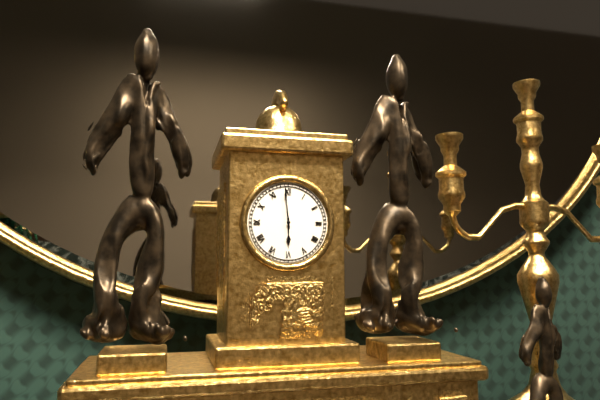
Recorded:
{"hour": 5, "minute": 59}
